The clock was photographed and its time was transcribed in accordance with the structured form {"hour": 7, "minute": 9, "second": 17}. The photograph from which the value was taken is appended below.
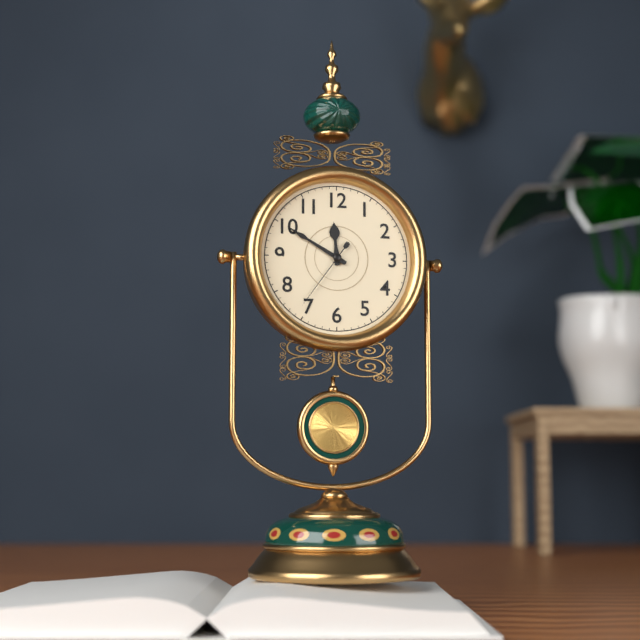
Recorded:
{"hour": 11, "minute": 50, "second": 36}
